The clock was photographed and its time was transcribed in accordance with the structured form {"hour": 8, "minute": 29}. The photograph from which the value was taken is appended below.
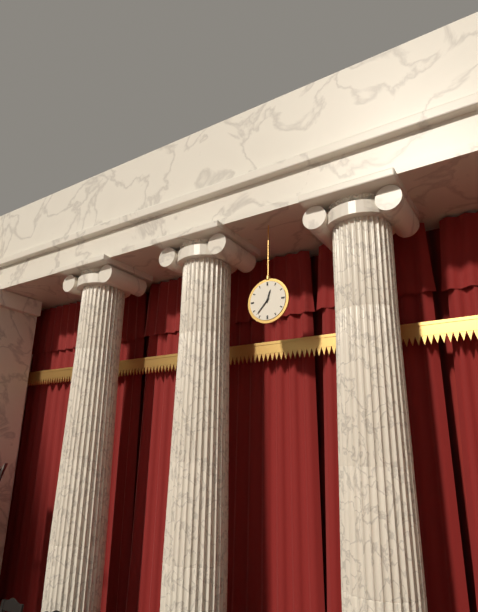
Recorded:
{"hour": 12, "minute": 37}
